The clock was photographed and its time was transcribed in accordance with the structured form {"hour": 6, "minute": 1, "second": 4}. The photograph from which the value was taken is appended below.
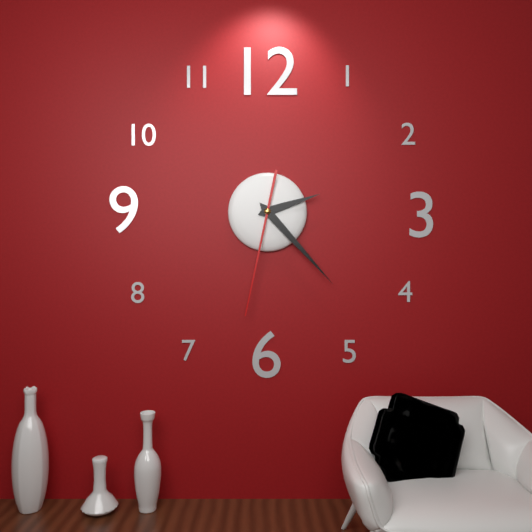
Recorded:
{"hour": 2, "minute": 23, "second": 32}
